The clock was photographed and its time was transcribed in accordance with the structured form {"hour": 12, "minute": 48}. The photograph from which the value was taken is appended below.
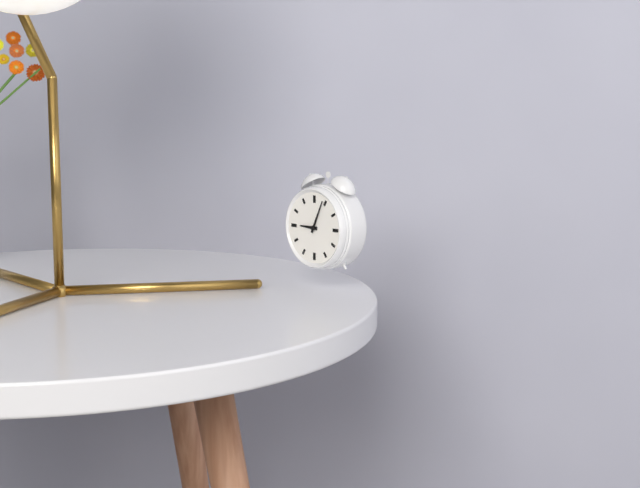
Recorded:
{"hour": 9, "minute": 4}
